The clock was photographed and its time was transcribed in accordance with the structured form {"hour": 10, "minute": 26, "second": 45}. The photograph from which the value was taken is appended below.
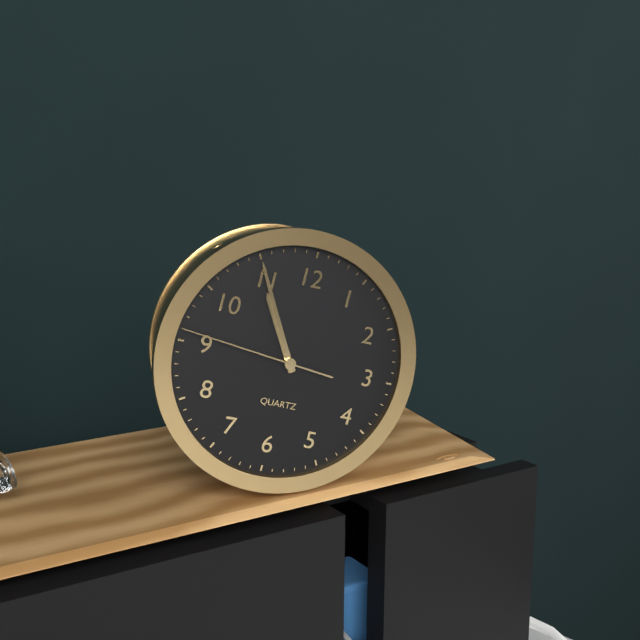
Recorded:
{"hour": 10, "minute": 55, "second": 46}
